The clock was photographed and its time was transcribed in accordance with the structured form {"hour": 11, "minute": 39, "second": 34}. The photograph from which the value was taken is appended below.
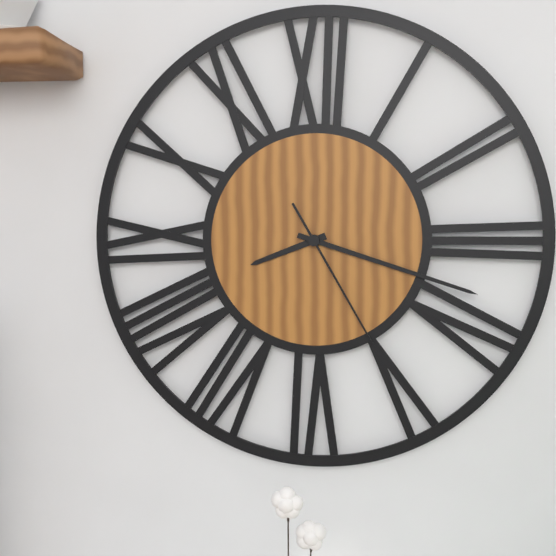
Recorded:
{"hour": 8, "minute": 18, "second": 25}
